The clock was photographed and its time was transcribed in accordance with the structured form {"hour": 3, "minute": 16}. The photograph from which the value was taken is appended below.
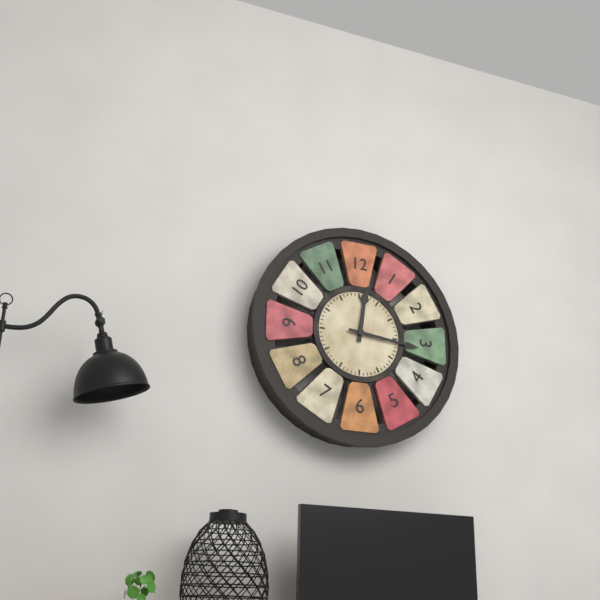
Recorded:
{"hour": 12, "minute": 16}
